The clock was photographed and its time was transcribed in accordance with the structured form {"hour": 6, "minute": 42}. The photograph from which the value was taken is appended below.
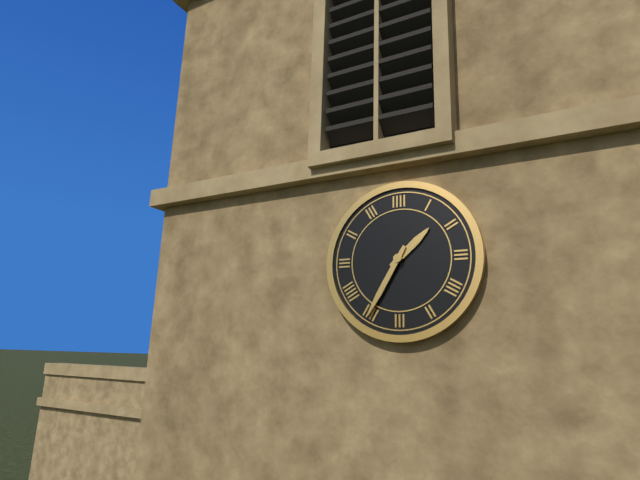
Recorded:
{"hour": 1, "minute": 35}
